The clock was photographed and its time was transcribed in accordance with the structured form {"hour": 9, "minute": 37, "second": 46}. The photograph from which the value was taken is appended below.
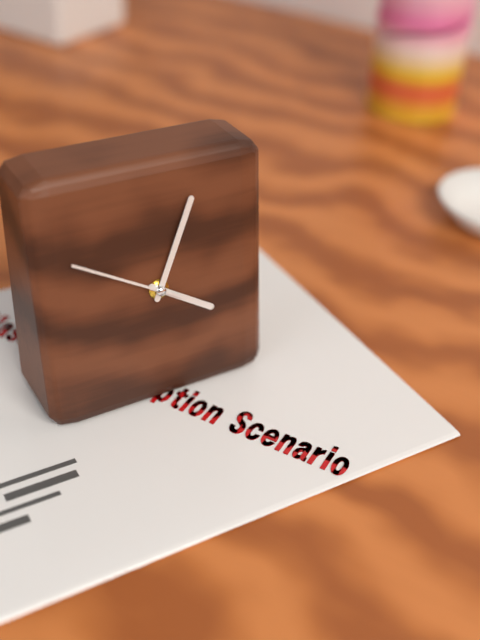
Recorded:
{"hour": 4, "minute": 4, "second": 50}
